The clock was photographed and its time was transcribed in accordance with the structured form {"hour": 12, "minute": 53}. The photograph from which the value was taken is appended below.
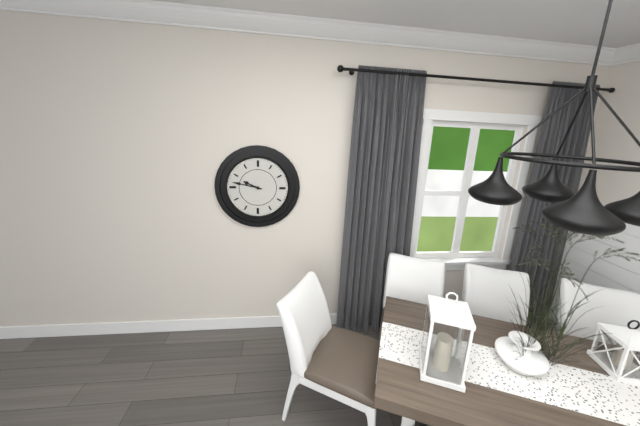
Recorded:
{"hour": 9, "minute": 47}
